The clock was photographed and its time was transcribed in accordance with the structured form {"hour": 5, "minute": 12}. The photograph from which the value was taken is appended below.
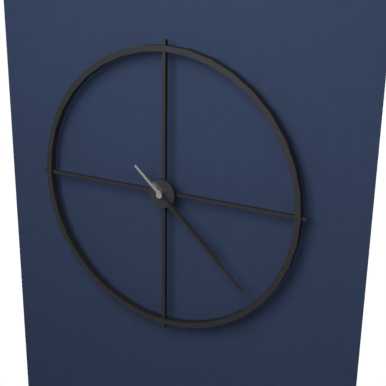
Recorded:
{"hour": 4, "minute": 22}
